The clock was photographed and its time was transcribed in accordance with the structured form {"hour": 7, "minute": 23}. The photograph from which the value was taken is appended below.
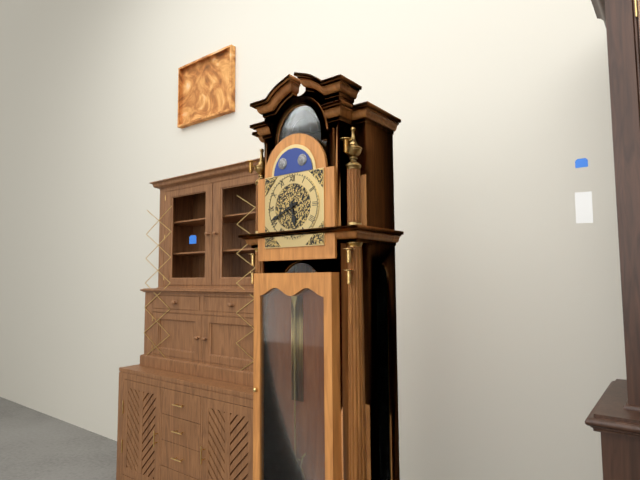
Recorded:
{"hour": 5, "minute": 41}
